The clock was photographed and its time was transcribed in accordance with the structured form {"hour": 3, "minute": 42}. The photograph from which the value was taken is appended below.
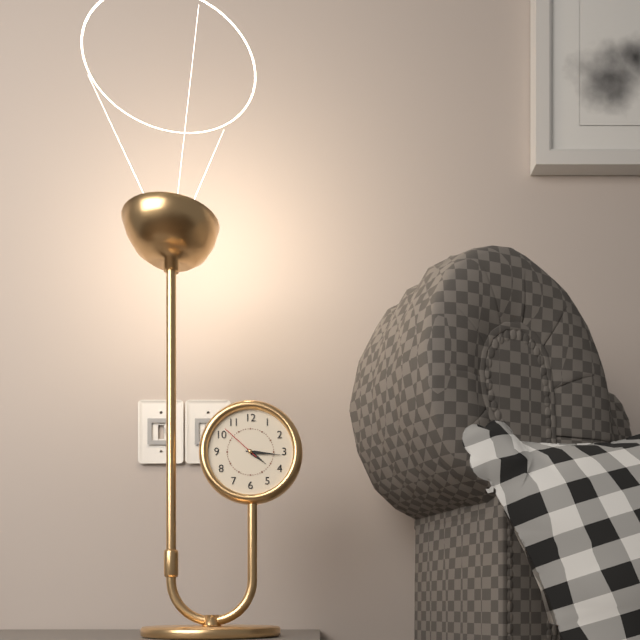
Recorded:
{"hour": 4, "minute": 16}
